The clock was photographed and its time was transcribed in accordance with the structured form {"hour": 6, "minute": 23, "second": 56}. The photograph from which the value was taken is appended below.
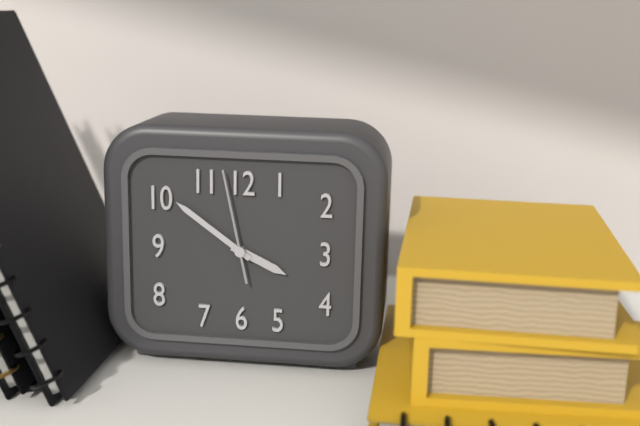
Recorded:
{"hour": 3, "minute": 51, "second": 58}
